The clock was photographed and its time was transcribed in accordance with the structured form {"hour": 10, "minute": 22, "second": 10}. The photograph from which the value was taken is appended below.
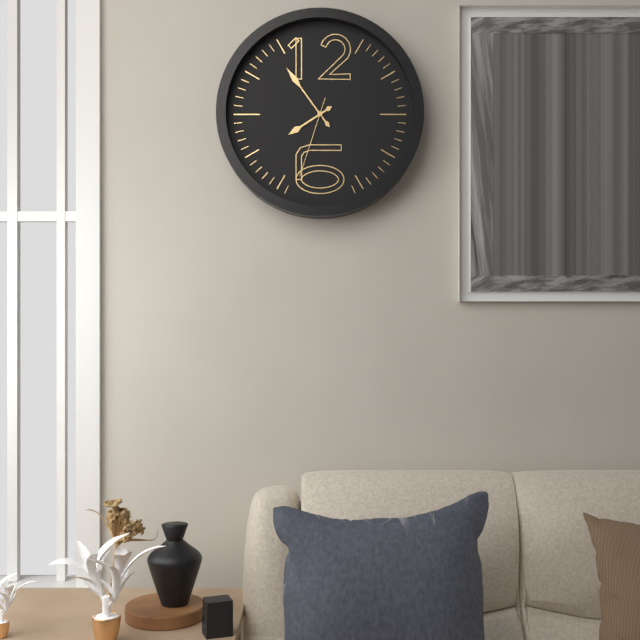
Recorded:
{"hour": 7, "minute": 54, "second": 33}
